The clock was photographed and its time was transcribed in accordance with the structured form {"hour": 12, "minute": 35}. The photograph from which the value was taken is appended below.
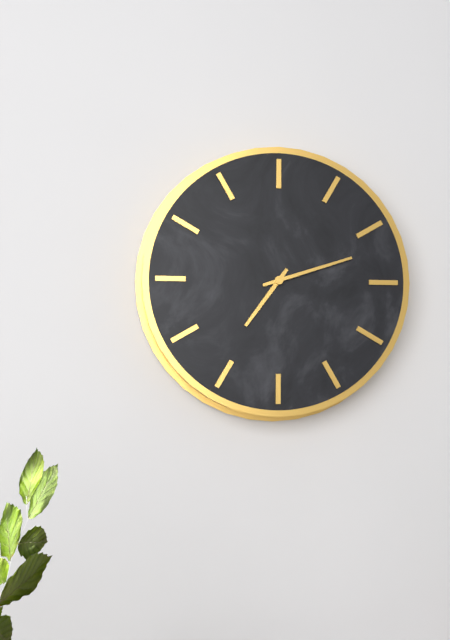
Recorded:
{"hour": 7, "minute": 12}
